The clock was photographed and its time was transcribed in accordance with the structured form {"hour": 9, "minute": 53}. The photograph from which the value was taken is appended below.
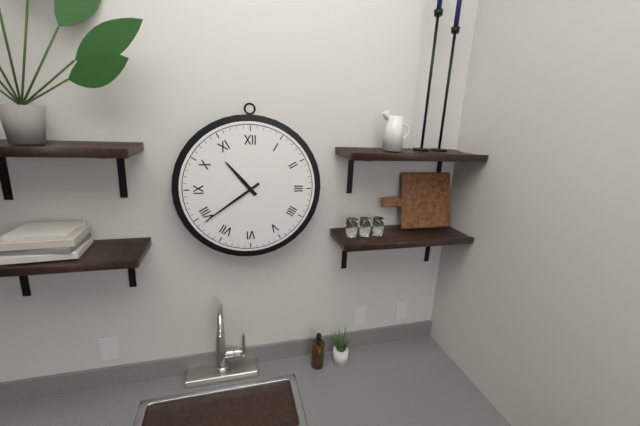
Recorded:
{"hour": 10, "minute": 39}
